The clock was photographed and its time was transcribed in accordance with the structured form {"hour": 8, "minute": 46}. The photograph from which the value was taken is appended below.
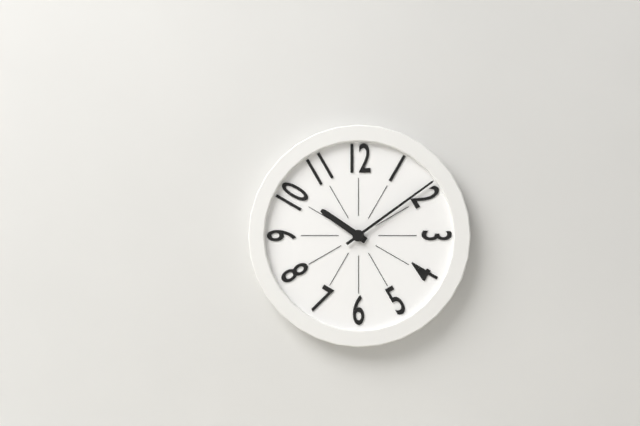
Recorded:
{"hour": 10, "minute": 9}
